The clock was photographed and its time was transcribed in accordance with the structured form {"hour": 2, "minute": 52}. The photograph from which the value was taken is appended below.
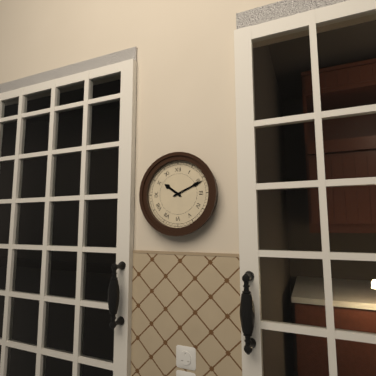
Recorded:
{"hour": 10, "minute": 11}
